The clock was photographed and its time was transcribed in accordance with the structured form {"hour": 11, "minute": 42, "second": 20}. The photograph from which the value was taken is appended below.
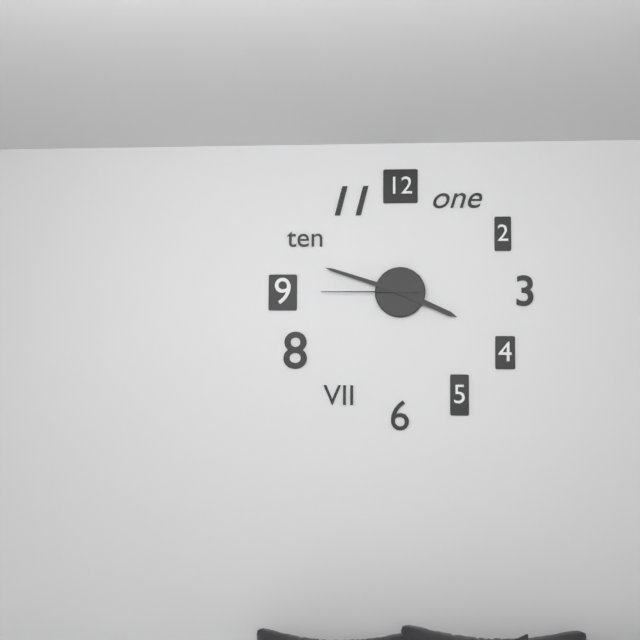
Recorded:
{"hour": 3, "minute": 48, "second": 45}
